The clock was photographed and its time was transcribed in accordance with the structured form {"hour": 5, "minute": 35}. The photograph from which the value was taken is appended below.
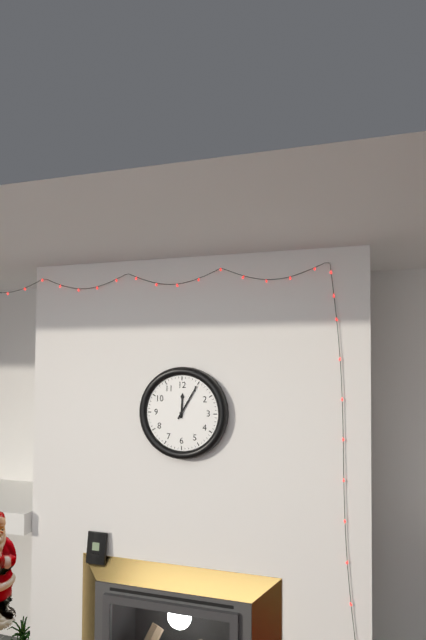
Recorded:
{"hour": 12, "minute": 5}
